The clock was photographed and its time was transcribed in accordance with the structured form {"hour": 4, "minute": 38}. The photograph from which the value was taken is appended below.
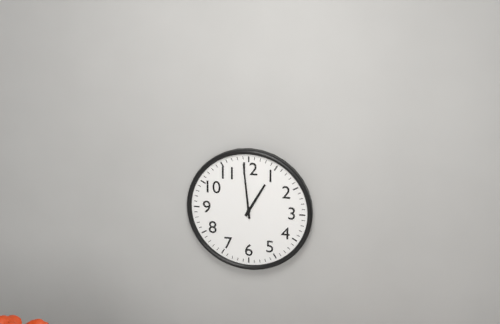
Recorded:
{"hour": 12, "minute": 59}
